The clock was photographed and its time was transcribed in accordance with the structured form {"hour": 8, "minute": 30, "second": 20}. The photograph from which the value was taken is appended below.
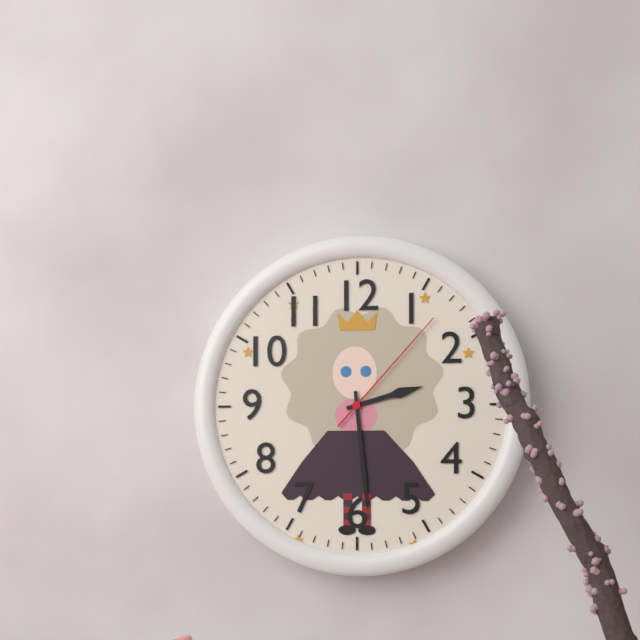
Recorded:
{"hour": 2, "minute": 29, "second": 7}
